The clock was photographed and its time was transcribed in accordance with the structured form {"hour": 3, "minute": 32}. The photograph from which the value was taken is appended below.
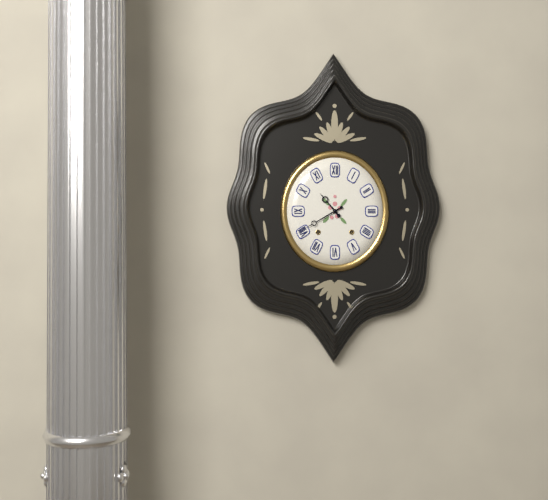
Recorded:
{"hour": 10, "minute": 40}
